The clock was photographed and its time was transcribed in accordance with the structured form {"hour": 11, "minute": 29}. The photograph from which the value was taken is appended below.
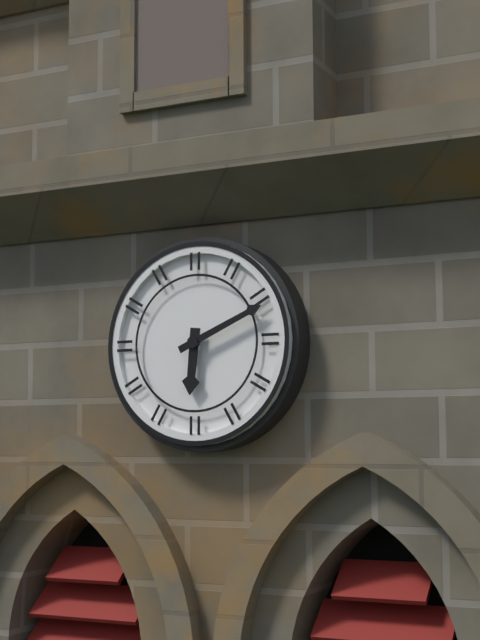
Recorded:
{"hour": 6, "minute": 11}
